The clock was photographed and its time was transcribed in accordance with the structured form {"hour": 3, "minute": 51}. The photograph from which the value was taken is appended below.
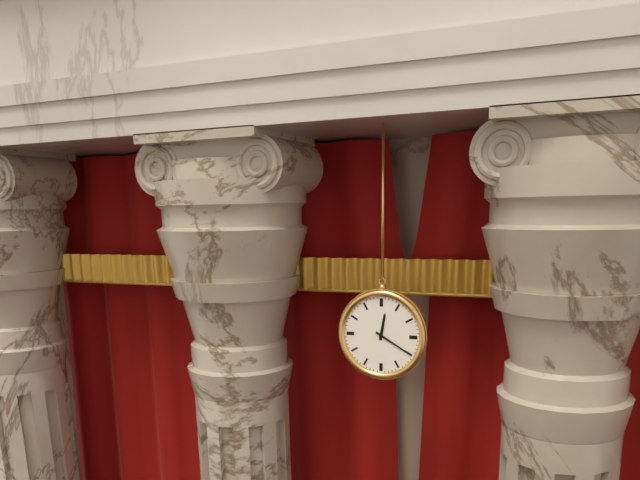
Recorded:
{"hour": 12, "minute": 20}
